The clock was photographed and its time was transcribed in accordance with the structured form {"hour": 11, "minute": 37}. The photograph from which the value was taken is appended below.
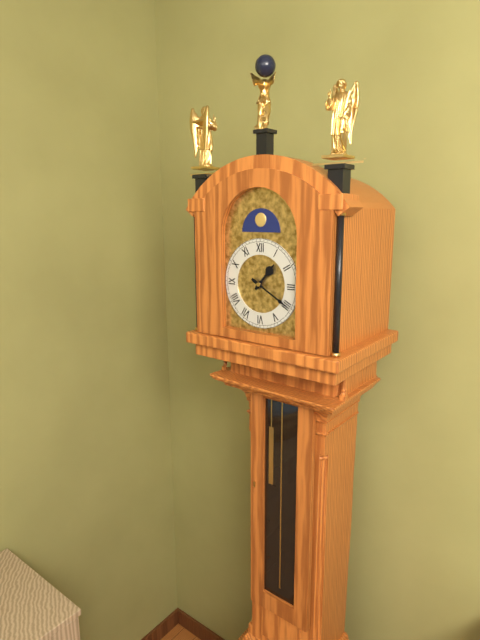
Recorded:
{"hour": 1, "minute": 20}
